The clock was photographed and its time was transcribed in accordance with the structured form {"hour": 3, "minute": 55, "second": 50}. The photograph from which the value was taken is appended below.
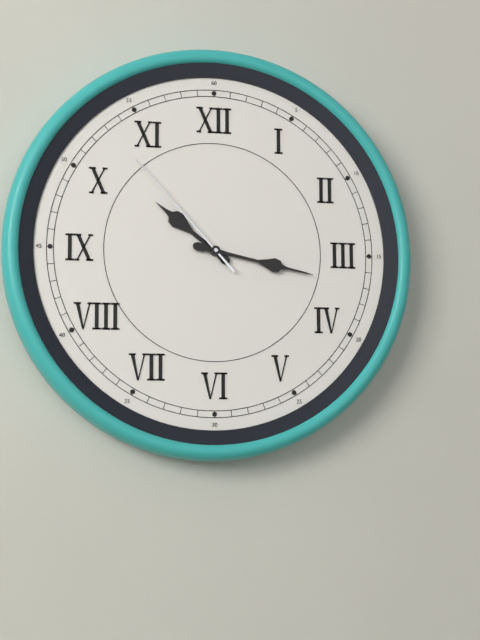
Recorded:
{"hour": 10, "minute": 17, "second": 53}
